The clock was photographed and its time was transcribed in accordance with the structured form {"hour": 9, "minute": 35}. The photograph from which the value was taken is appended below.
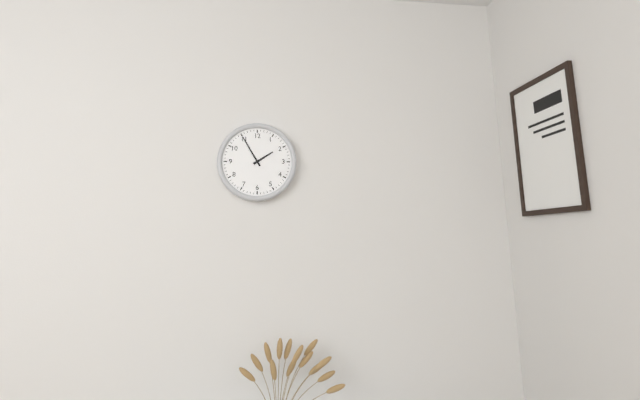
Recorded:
{"hour": 1, "minute": 55}
